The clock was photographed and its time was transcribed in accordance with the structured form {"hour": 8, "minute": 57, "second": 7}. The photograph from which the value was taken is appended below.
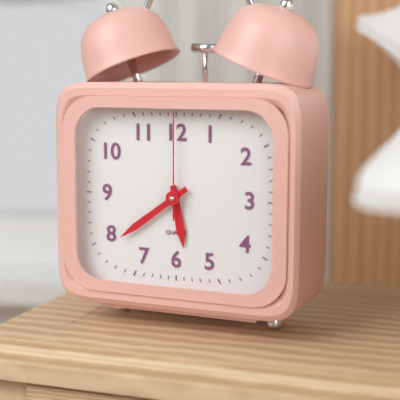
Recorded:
{"hour": 5, "minute": 39, "second": 0}
